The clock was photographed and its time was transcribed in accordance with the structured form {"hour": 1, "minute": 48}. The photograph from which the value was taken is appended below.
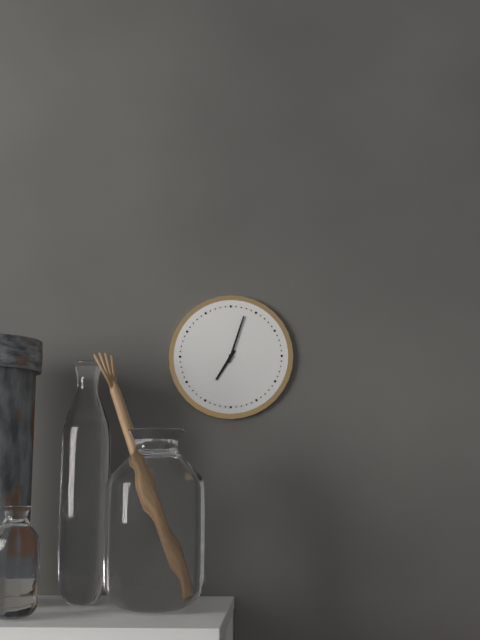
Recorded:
{"hour": 7, "minute": 3}
